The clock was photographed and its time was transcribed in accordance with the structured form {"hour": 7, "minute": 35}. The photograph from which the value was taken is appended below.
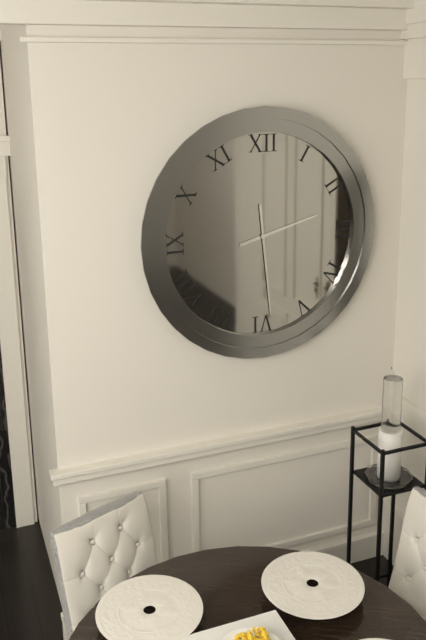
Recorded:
{"hour": 2, "minute": 29}
